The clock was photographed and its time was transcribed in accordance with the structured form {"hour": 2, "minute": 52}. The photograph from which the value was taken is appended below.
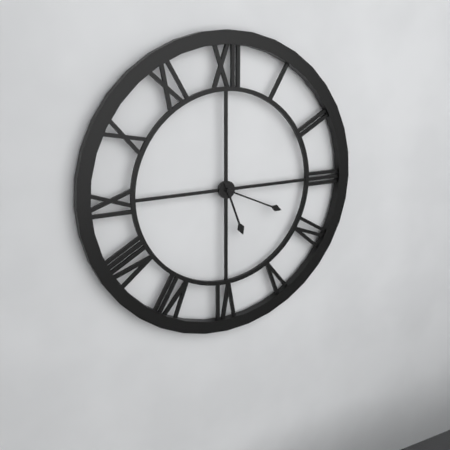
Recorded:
{"hour": 5, "minute": 19}
